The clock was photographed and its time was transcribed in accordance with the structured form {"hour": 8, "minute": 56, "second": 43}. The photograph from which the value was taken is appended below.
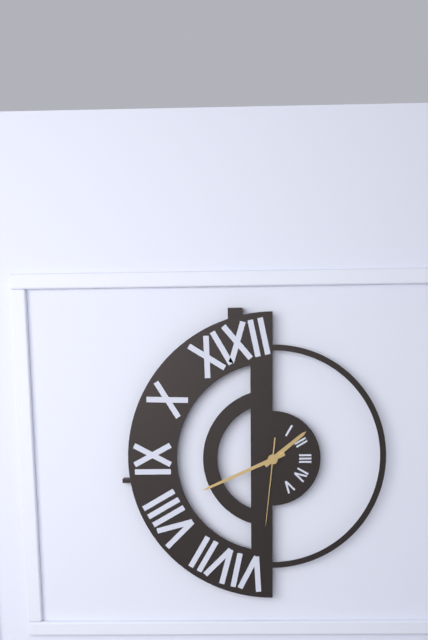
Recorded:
{"hour": 1, "minute": 41, "second": 31}
